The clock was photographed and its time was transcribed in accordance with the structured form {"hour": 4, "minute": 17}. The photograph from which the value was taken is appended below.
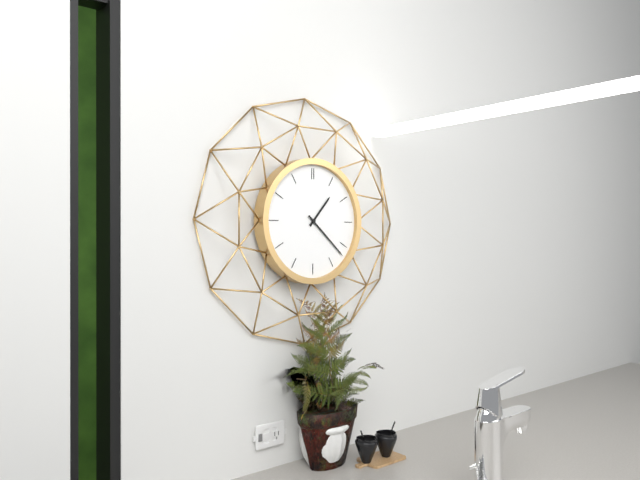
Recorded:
{"hour": 1, "minute": 22}
